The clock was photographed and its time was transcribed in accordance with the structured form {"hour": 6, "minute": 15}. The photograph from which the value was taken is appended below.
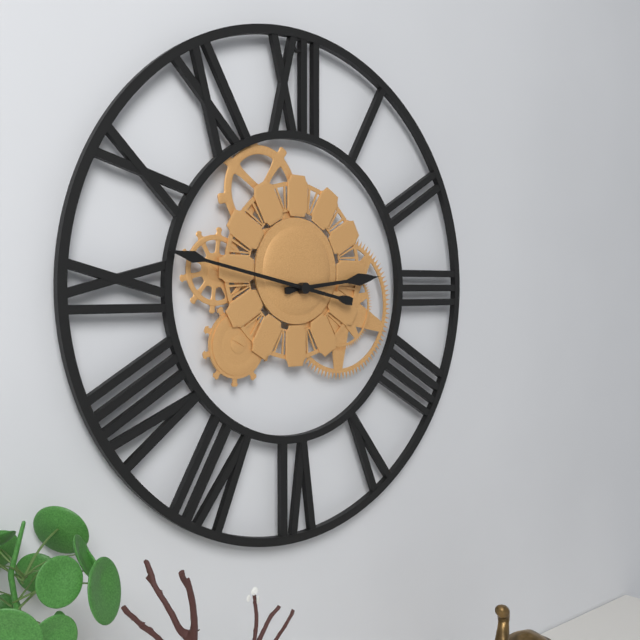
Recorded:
{"hour": 2, "minute": 47}
